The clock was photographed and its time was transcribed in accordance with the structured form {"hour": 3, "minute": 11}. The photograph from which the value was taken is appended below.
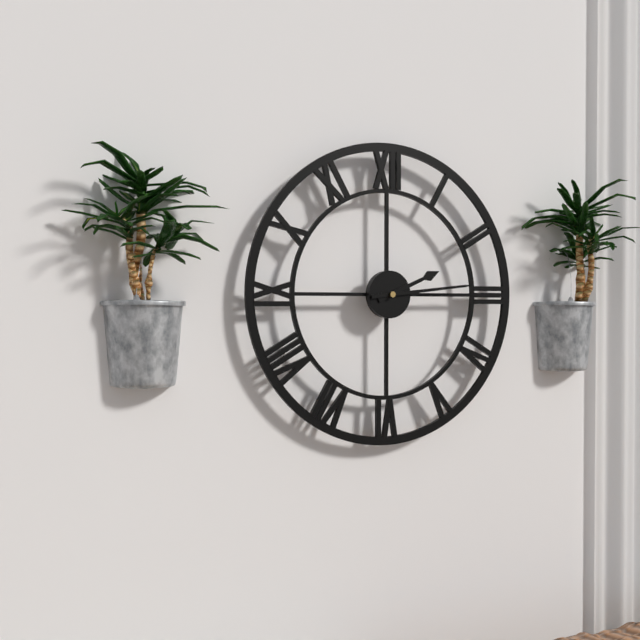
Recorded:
{"hour": 2, "minute": 14}
